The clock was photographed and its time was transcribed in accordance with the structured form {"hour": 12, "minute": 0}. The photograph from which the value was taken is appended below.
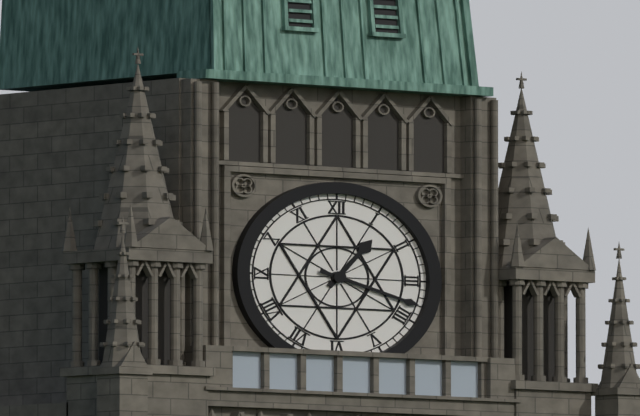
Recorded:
{"hour": 1, "minute": 18}
